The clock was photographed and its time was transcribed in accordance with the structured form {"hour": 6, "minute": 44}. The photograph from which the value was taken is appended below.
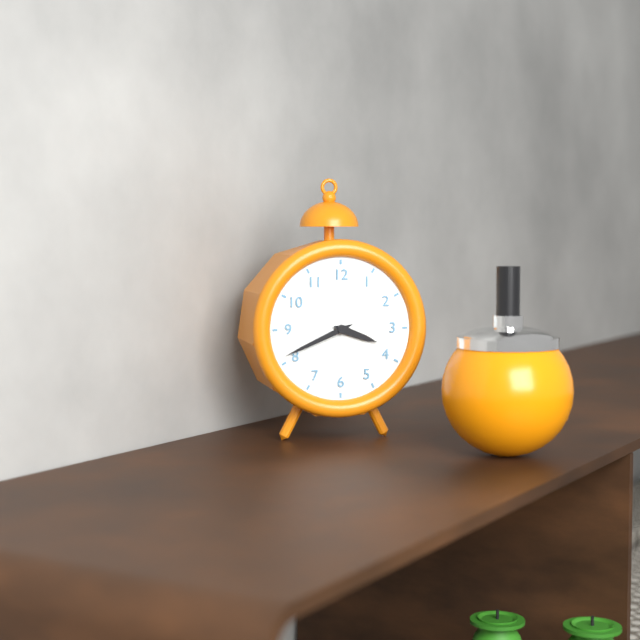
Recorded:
{"hour": 3, "minute": 41}
